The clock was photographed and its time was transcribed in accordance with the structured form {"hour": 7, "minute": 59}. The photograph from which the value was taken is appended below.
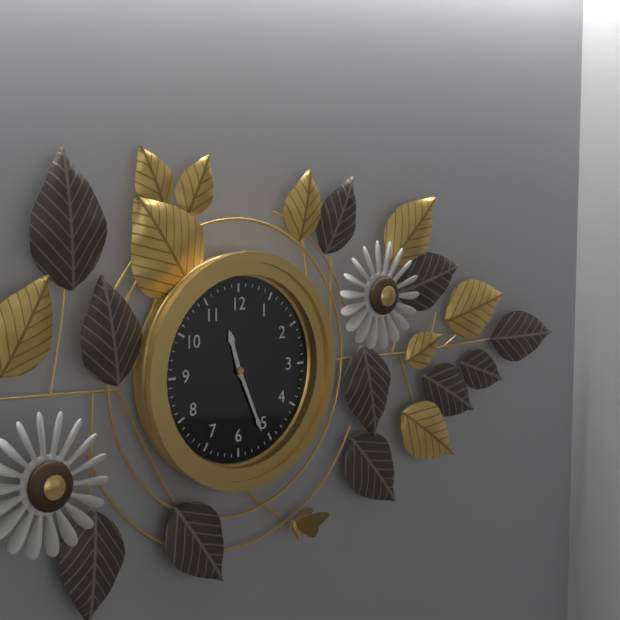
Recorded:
{"hour": 11, "minute": 26}
